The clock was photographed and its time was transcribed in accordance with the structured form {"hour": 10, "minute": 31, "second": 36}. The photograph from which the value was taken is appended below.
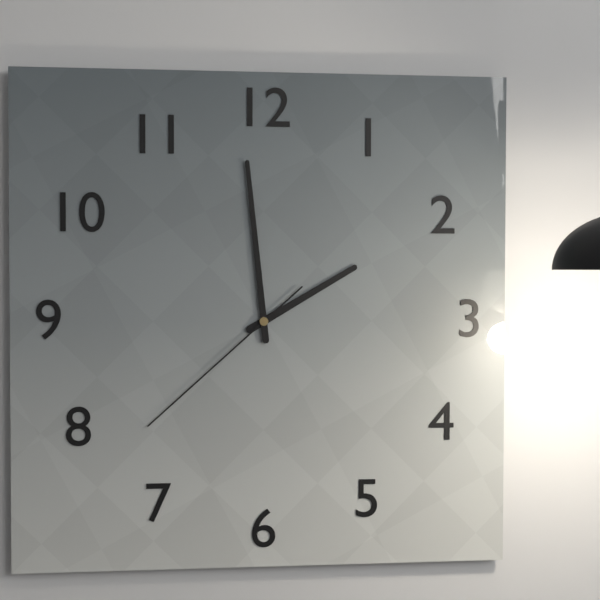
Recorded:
{"hour": 1, "minute": 59, "second": 38}
